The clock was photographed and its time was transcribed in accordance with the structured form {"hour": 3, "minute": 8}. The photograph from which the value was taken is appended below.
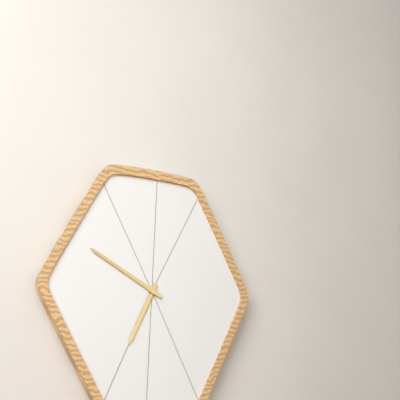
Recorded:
{"hour": 6, "minute": 50}
